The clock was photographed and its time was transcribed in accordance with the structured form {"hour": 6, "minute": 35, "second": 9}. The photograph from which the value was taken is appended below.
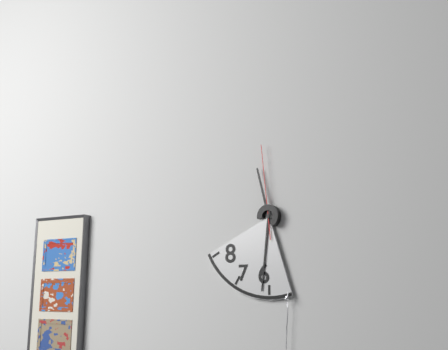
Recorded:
{"hour": 11, "minute": 31, "second": 59}
